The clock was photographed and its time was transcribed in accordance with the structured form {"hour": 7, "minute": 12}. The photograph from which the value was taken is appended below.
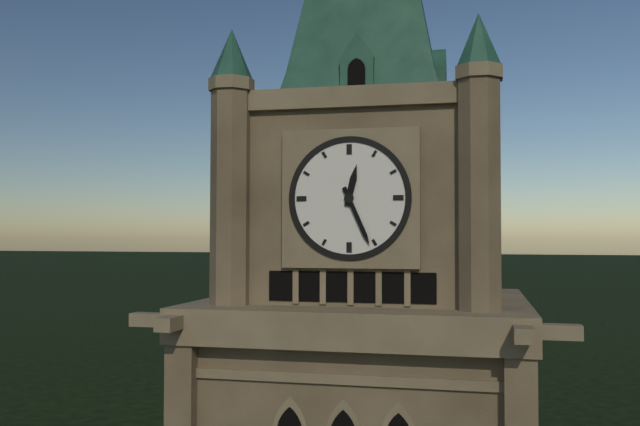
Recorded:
{"hour": 12, "minute": 26}
